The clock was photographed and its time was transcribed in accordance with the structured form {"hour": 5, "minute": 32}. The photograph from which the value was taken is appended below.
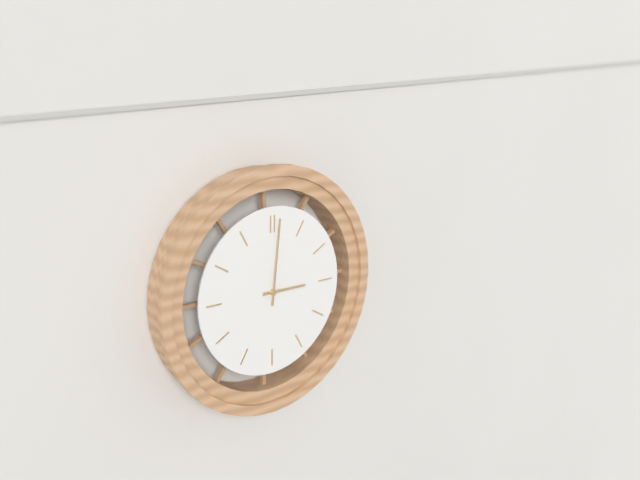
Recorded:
{"hour": 3, "minute": 1}
